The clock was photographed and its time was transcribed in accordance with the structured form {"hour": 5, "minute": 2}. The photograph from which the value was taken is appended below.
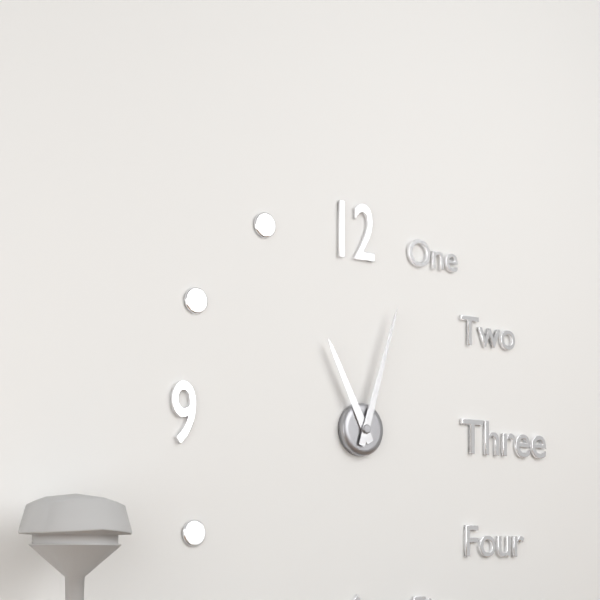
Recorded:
{"hour": 11, "minute": 3}
